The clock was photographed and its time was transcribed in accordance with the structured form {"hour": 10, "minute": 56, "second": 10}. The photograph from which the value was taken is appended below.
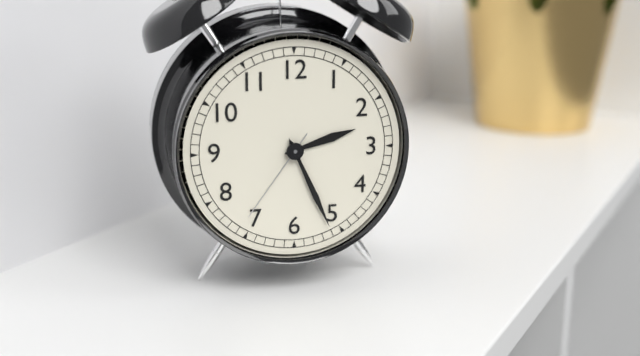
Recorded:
{"hour": 2, "minute": 26, "second": 36}
